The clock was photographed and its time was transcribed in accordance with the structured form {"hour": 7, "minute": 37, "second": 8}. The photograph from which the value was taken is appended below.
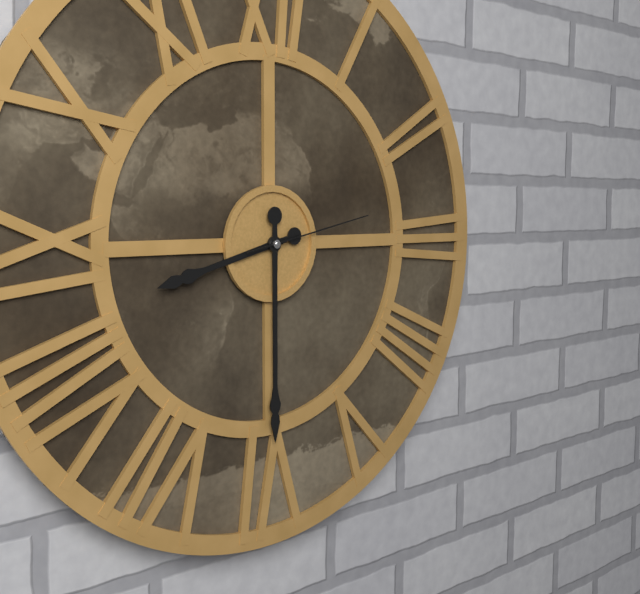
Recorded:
{"hour": 8, "minute": 30, "second": 13}
